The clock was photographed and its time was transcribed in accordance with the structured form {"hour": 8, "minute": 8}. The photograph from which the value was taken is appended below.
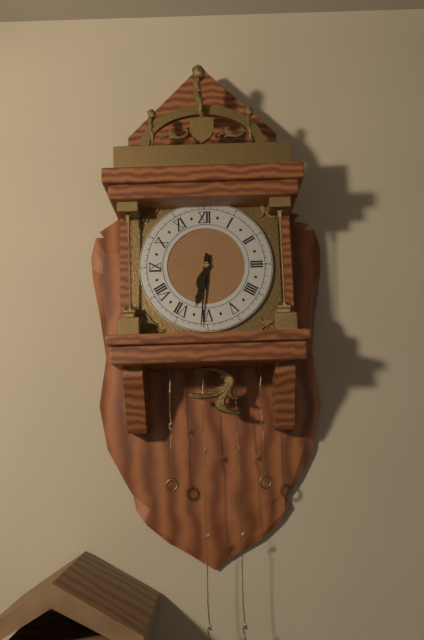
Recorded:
{"hour": 6, "minute": 31}
